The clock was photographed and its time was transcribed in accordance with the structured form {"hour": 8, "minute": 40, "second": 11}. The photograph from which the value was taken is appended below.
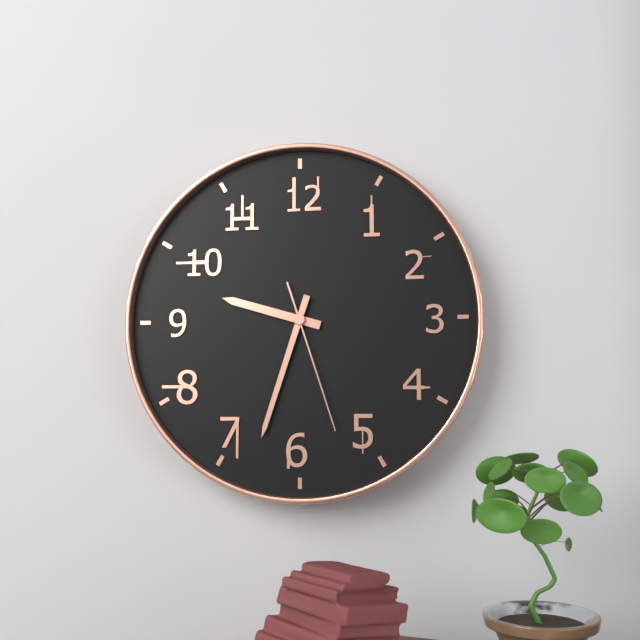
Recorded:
{"hour": 9, "minute": 33, "second": 27}
